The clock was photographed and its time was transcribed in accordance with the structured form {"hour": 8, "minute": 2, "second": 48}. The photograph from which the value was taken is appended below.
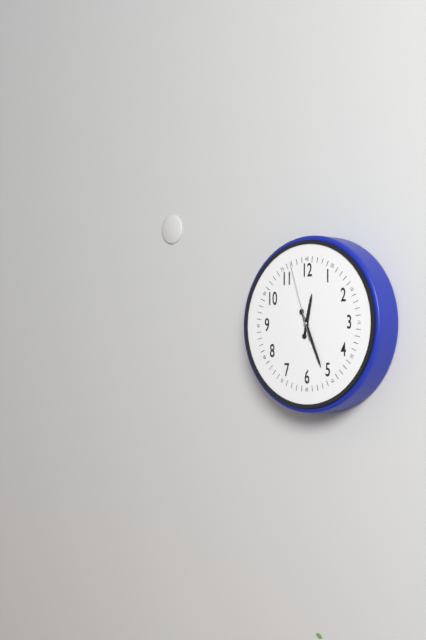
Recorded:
{"hour": 12, "minute": 26, "second": 57}
